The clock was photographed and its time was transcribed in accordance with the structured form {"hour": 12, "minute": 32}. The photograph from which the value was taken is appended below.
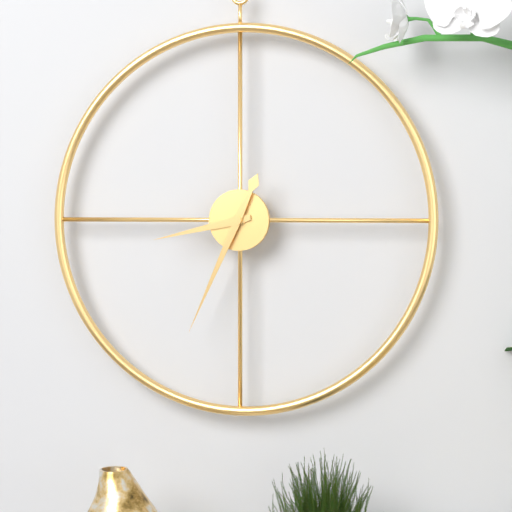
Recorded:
{"hour": 8, "minute": 34}
